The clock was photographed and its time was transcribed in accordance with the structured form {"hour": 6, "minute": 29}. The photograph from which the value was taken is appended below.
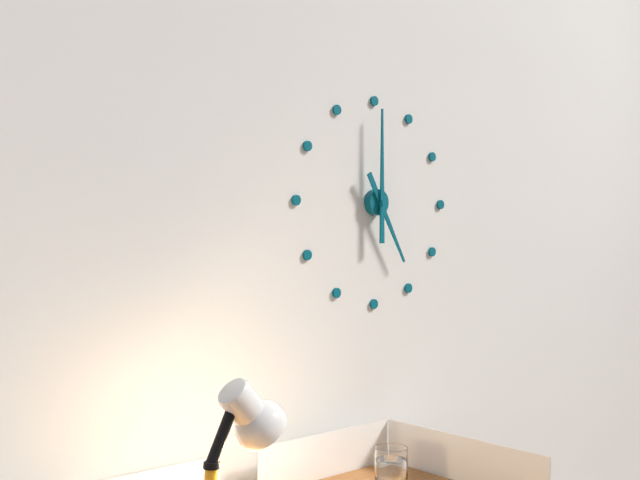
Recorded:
{"hour": 5, "minute": 0}
